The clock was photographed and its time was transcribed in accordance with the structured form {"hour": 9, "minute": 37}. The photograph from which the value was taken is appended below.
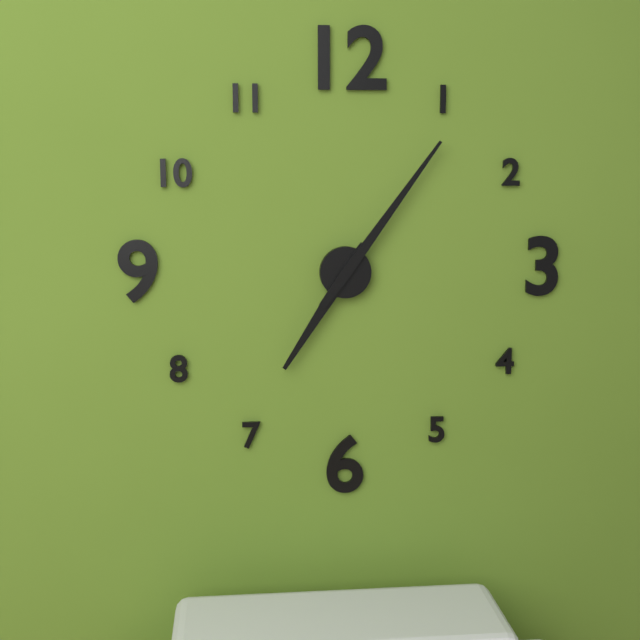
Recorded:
{"hour": 7, "minute": 6}
